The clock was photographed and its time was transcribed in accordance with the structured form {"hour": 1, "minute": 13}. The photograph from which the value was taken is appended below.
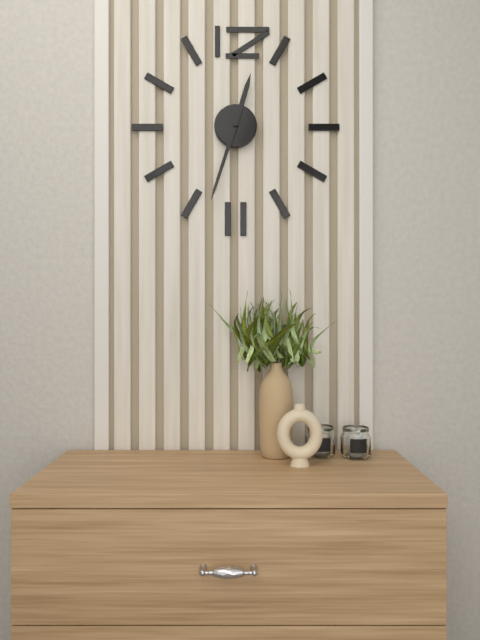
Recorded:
{"hour": 12, "minute": 33}
